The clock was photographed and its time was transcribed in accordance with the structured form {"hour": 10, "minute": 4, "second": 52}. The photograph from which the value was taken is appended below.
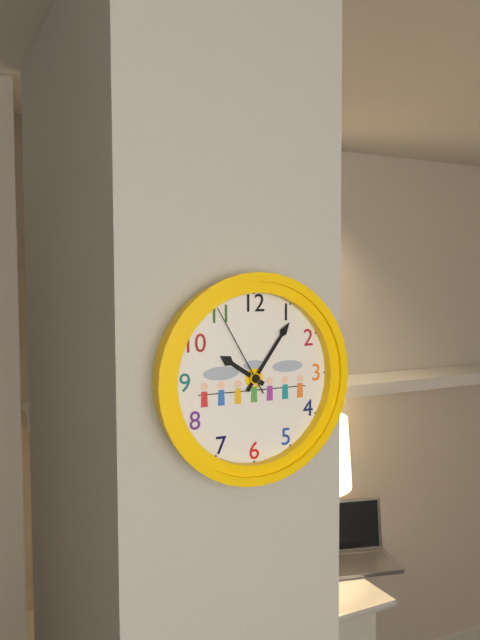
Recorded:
{"hour": 10, "minute": 6, "second": 55}
